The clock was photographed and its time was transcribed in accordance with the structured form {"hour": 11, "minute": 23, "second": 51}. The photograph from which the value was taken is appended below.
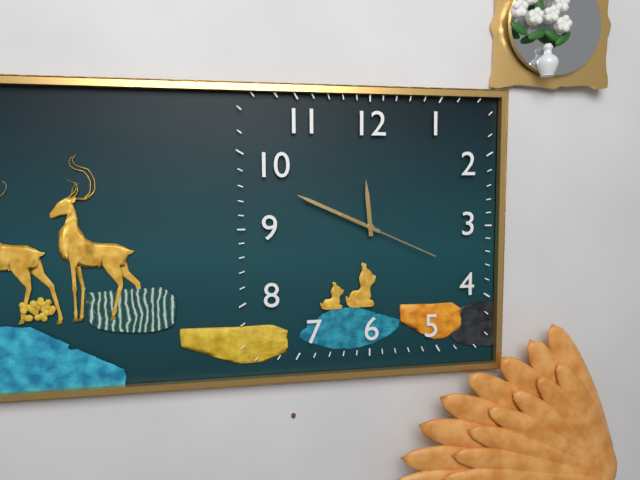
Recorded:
{"hour": 11, "minute": 49, "second": 19}
